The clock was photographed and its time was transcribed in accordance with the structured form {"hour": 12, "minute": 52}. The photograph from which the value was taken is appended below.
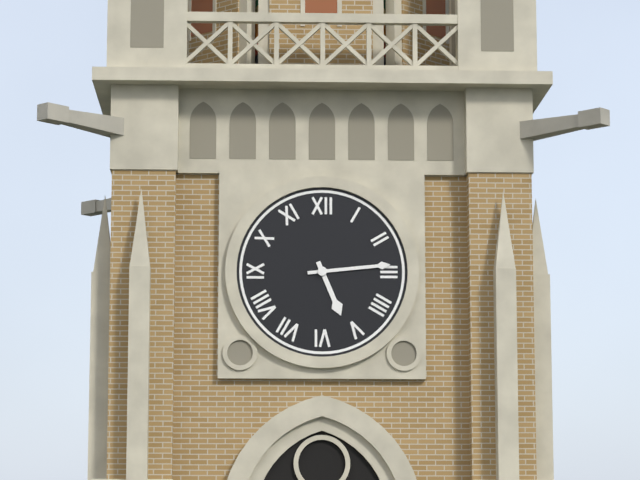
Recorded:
{"hour": 5, "minute": 14}
